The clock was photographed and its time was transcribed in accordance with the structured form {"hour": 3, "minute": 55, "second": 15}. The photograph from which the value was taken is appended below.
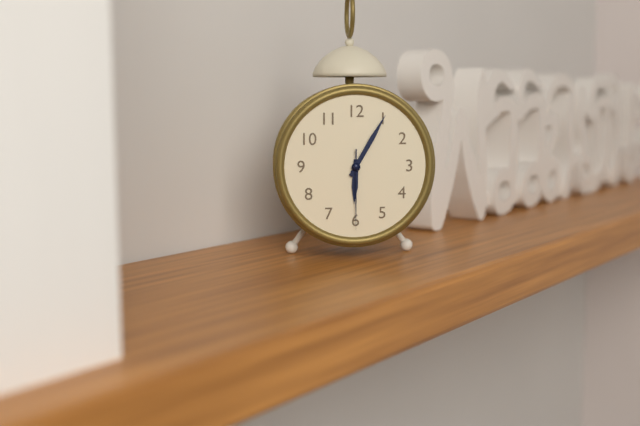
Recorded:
{"hour": 6, "minute": 5, "second": 30}
